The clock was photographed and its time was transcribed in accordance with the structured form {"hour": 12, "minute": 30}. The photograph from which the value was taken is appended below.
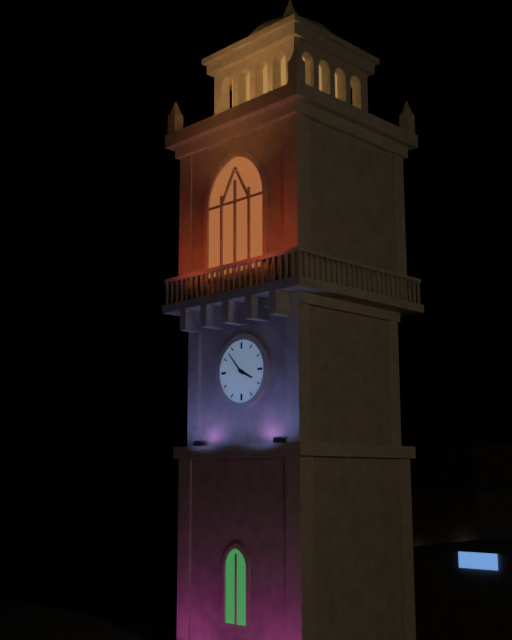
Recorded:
{"hour": 3, "minute": 53}
